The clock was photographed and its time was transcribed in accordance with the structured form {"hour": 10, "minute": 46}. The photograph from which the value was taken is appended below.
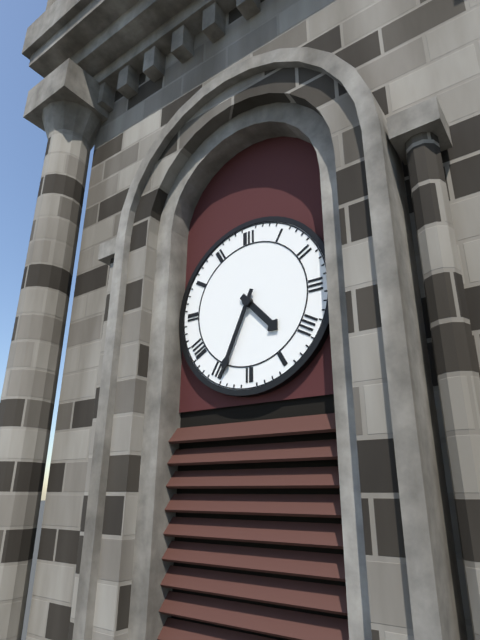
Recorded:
{"hour": 4, "minute": 34}
